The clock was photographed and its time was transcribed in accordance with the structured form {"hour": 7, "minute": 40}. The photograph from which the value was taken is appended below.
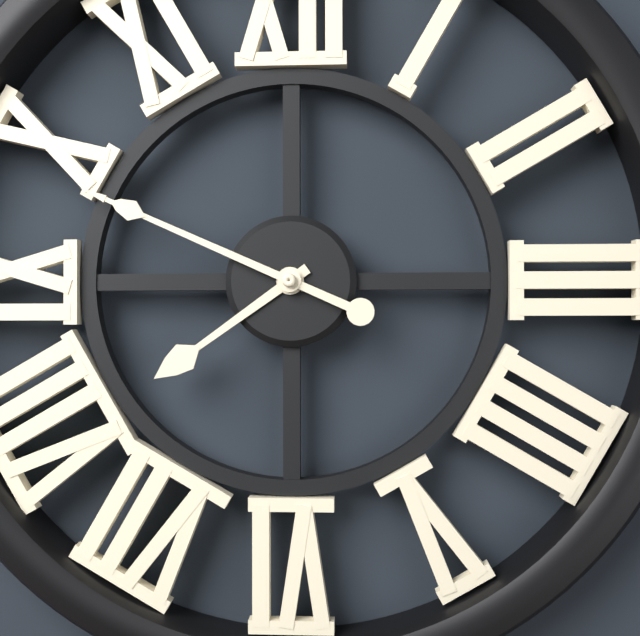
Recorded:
{"hour": 7, "minute": 49}
